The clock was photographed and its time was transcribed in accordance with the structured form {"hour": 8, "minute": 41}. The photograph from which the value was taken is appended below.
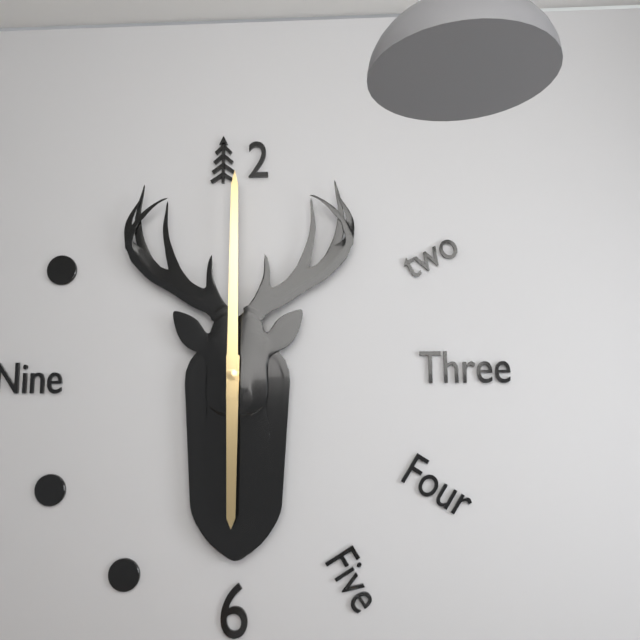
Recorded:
{"hour": 6, "minute": 0}
